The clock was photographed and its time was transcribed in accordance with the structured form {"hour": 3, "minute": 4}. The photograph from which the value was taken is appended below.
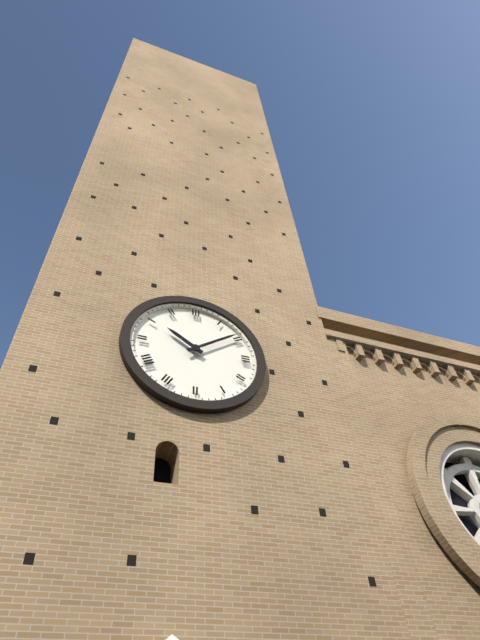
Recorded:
{"hour": 10, "minute": 9}
